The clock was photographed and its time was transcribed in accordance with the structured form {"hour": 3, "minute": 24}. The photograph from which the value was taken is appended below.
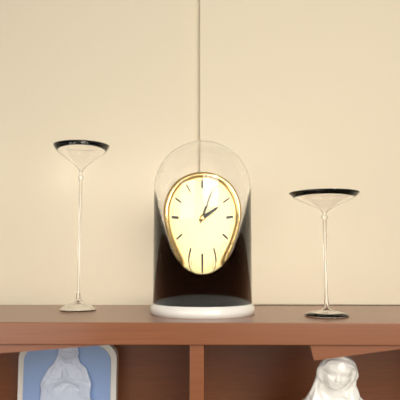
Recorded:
{"hour": 2, "minute": 4}
